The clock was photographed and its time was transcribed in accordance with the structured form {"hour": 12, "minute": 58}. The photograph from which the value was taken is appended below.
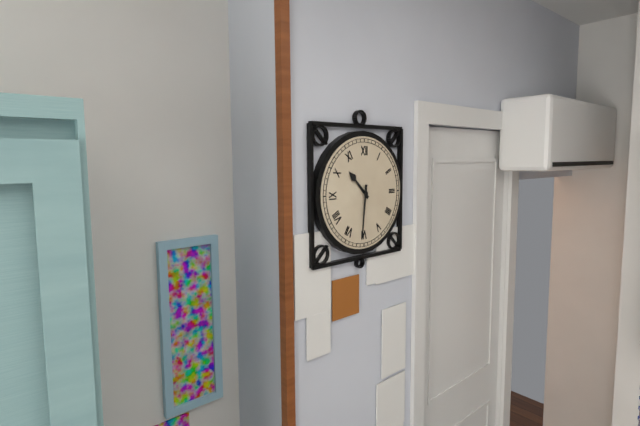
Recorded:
{"hour": 10, "minute": 31}
